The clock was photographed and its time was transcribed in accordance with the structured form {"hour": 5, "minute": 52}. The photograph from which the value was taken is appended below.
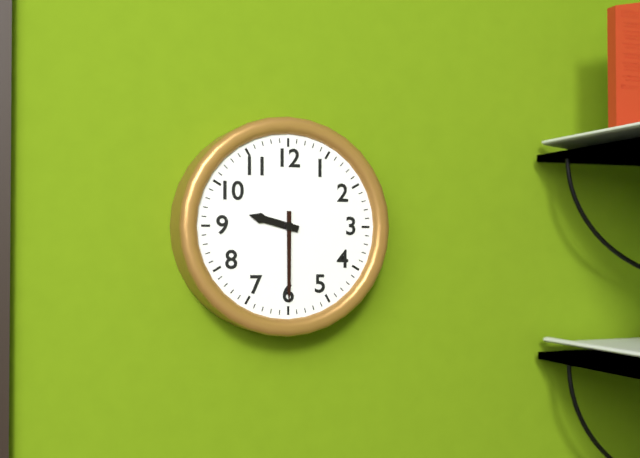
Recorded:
{"hour": 9, "minute": 30}
